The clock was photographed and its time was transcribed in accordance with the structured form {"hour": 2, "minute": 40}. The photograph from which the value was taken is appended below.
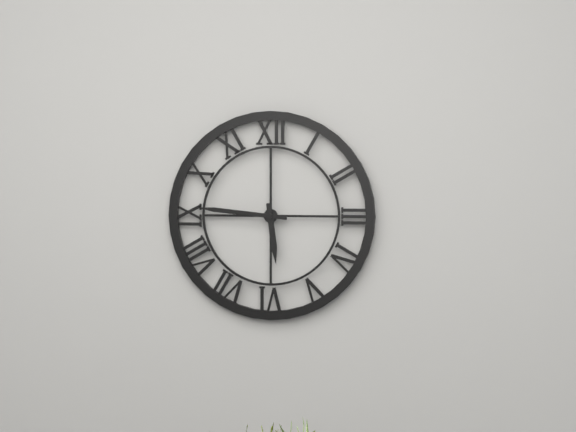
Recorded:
{"hour": 5, "minute": 46}
